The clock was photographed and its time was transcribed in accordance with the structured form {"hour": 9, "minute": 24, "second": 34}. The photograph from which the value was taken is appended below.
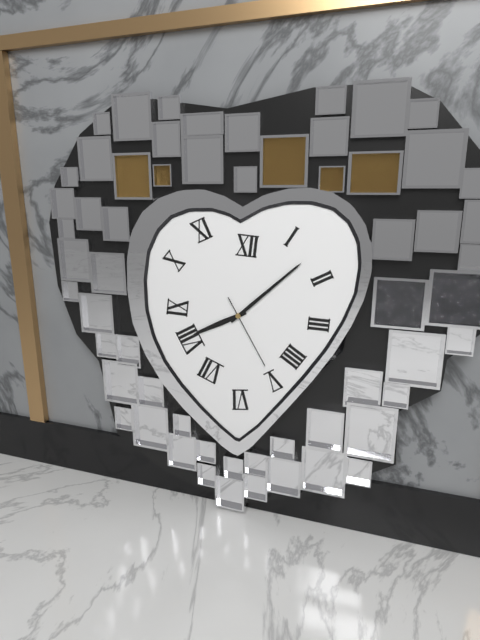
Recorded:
{"hour": 8, "minute": 8, "second": 25}
